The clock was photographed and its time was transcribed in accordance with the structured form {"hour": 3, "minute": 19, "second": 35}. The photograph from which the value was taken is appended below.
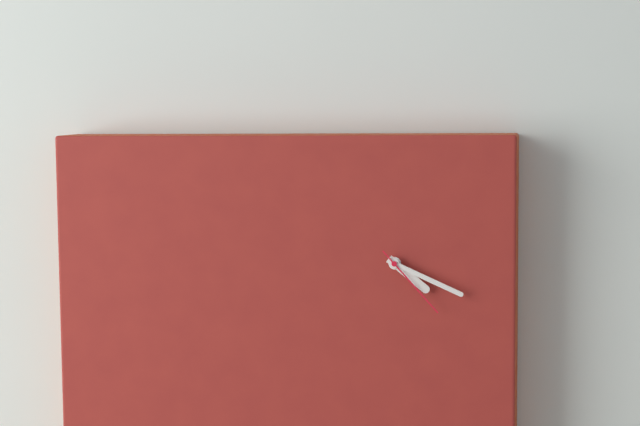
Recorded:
{"hour": 4, "minute": 19, "second": 23}
